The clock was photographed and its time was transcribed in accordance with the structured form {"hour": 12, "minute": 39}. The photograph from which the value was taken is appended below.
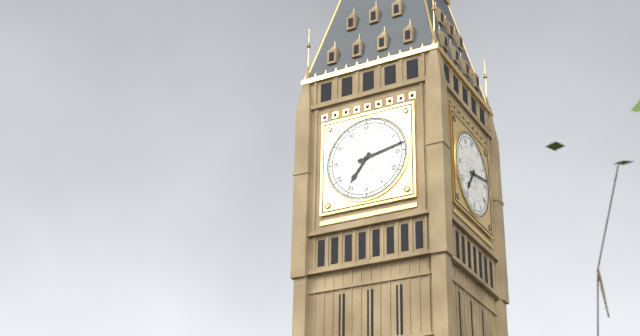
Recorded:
{"hour": 7, "minute": 13}
